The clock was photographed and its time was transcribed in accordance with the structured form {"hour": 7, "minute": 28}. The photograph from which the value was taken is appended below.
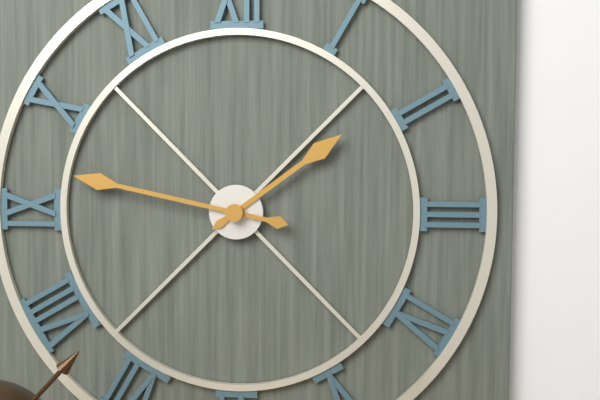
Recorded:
{"hour": 1, "minute": 47}
